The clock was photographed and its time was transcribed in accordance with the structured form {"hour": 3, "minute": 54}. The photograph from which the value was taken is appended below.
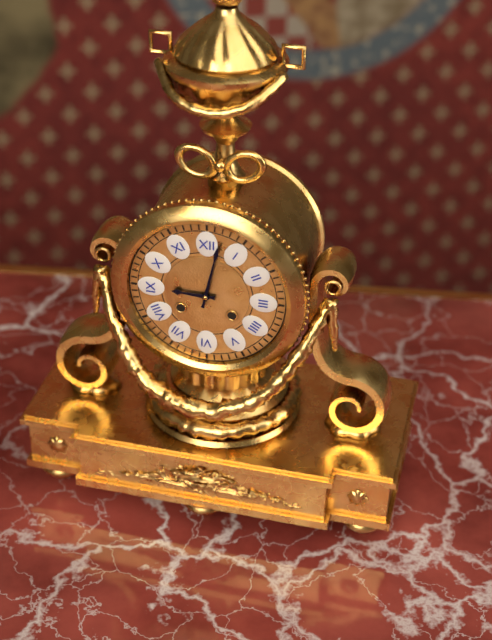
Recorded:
{"hour": 9, "minute": 2}
